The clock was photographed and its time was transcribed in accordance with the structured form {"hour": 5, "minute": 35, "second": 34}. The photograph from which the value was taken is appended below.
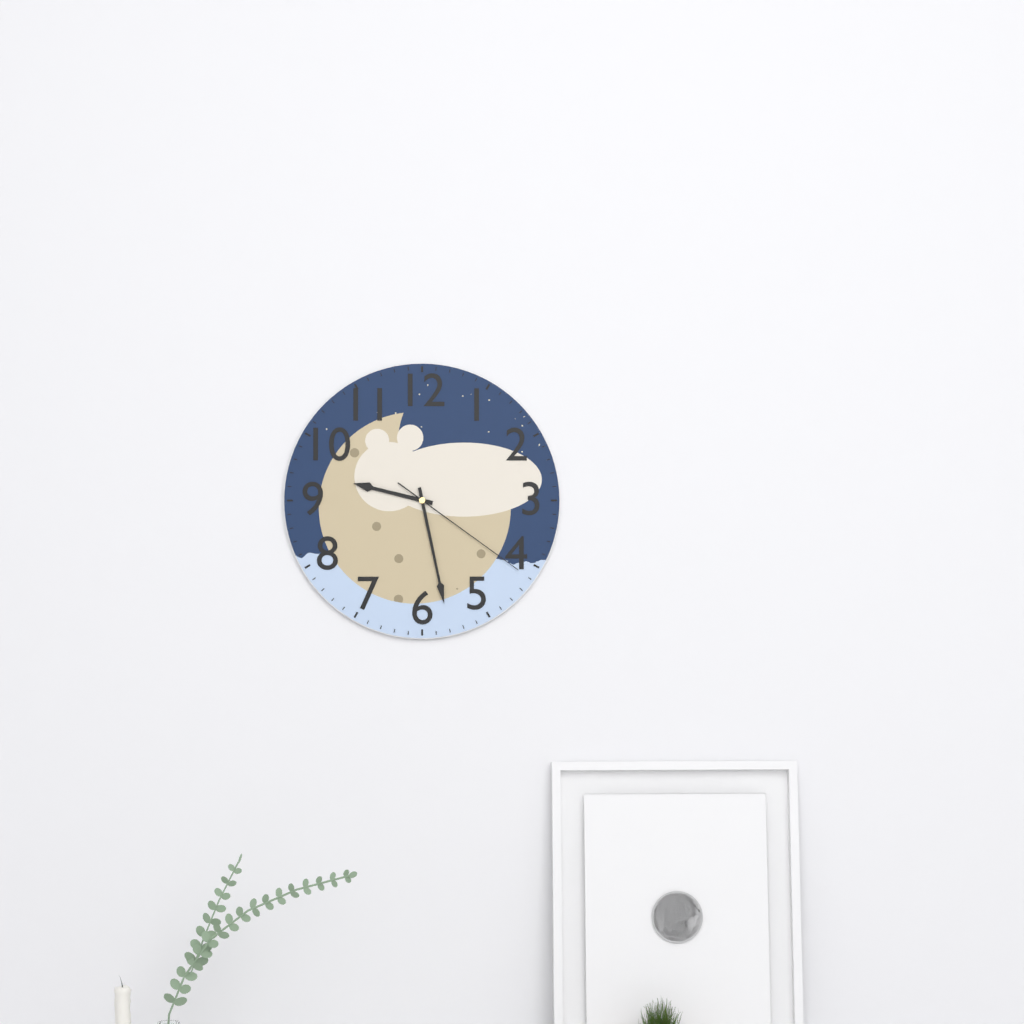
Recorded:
{"hour": 9, "minute": 28, "second": 21}
